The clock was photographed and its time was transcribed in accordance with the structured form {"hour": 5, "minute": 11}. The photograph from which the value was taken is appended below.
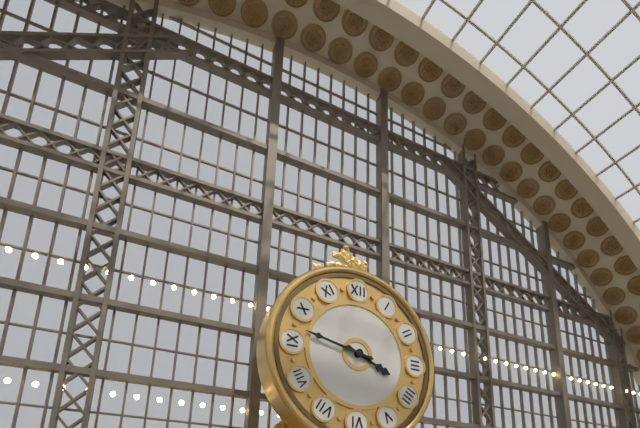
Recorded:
{"hour": 3, "minute": 47}
